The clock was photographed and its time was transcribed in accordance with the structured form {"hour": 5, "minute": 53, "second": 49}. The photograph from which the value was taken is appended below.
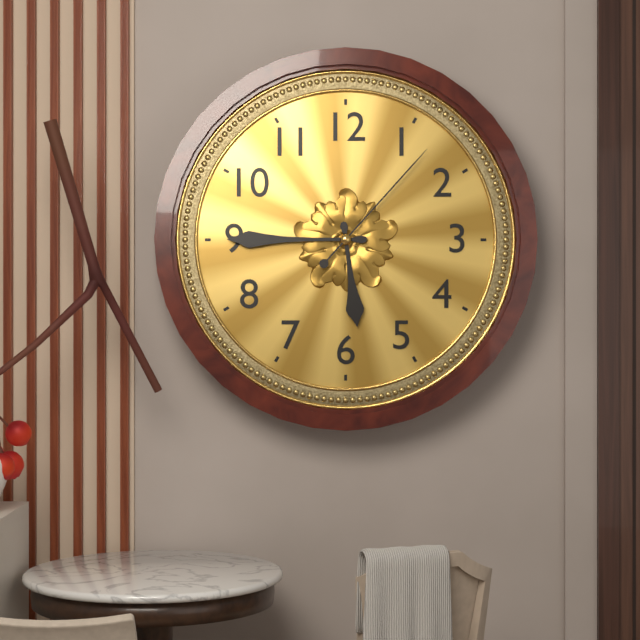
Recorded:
{"hour": 5, "minute": 45, "second": 7}
